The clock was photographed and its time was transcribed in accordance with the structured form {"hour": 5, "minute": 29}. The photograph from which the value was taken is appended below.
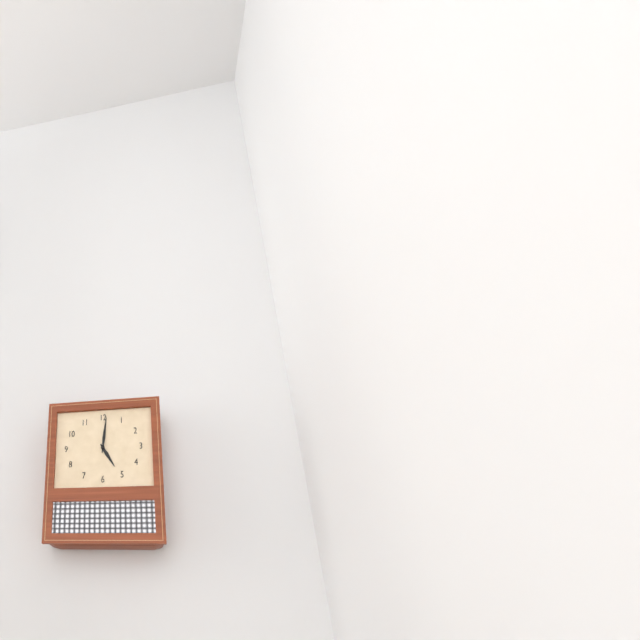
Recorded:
{"hour": 5, "minute": 1}
